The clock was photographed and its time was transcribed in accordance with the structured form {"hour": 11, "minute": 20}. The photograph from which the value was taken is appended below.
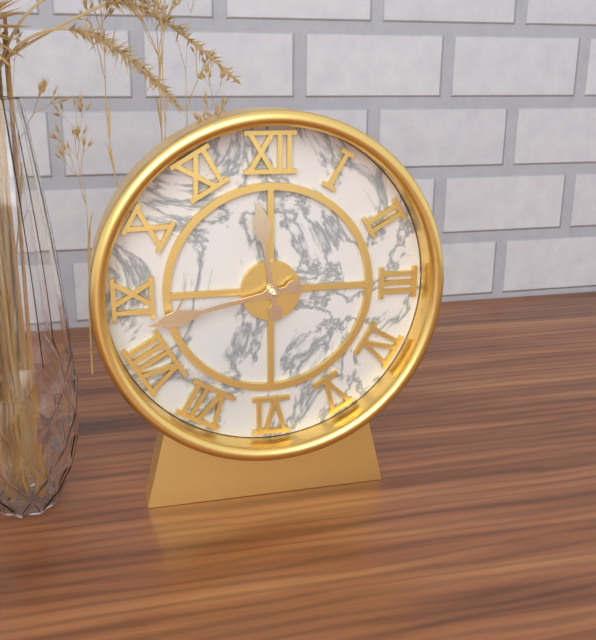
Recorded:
{"hour": 11, "minute": 43}
